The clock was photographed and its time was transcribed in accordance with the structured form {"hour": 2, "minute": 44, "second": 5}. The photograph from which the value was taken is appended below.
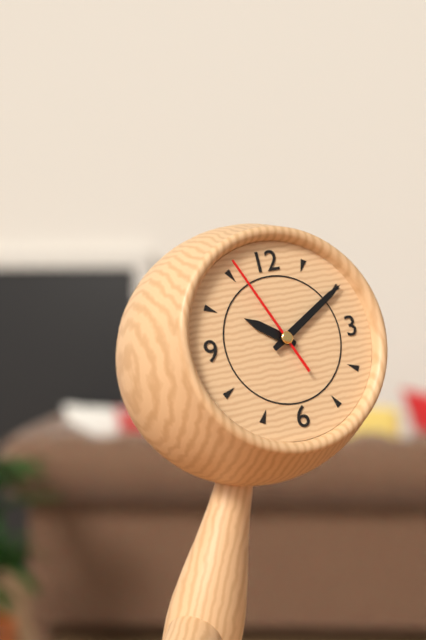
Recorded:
{"hour": 10, "minute": 10, "second": 56}
